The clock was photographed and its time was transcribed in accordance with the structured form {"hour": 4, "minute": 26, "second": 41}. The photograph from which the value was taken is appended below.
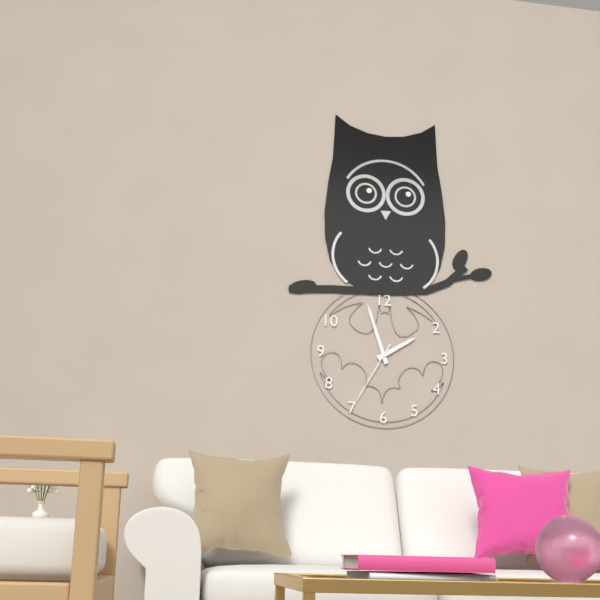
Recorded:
{"hour": 1, "minute": 57, "second": 35}
